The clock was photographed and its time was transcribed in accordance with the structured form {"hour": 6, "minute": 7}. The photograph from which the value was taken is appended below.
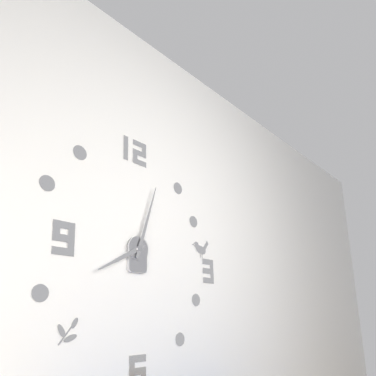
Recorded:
{"hour": 8, "minute": 3}
